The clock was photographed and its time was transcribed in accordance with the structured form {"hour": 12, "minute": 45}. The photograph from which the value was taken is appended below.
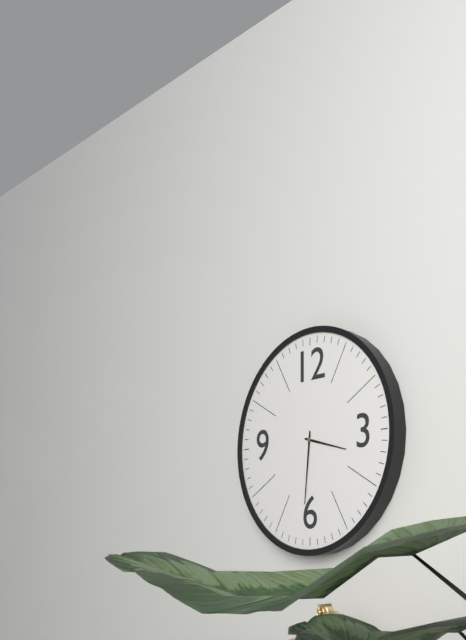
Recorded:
{"hour": 3, "minute": 31}
